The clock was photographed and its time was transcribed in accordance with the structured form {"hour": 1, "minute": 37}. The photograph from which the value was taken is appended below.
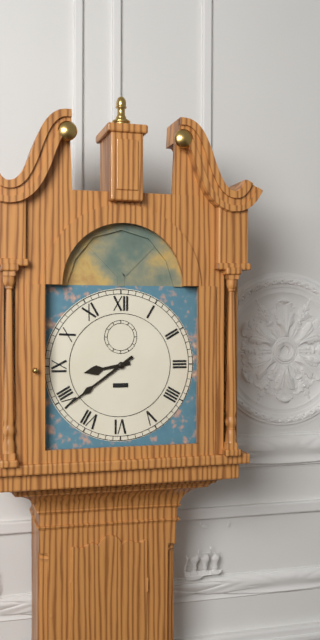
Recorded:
{"hour": 8, "minute": 39}
